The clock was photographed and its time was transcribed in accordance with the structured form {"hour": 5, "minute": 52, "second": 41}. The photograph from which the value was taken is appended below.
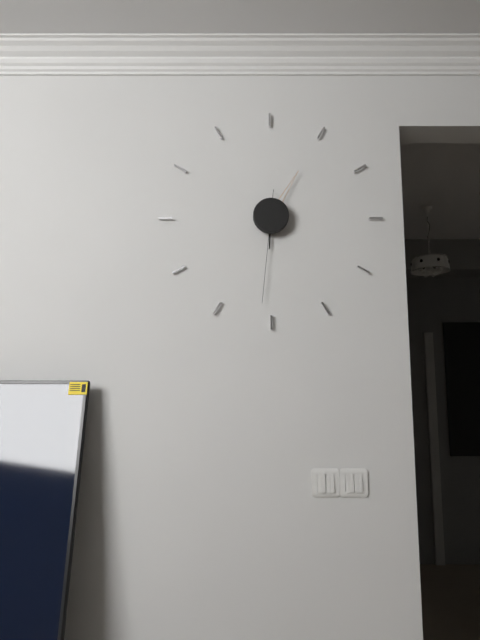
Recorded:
{"hour": 6, "minute": 5, "second": 31}
